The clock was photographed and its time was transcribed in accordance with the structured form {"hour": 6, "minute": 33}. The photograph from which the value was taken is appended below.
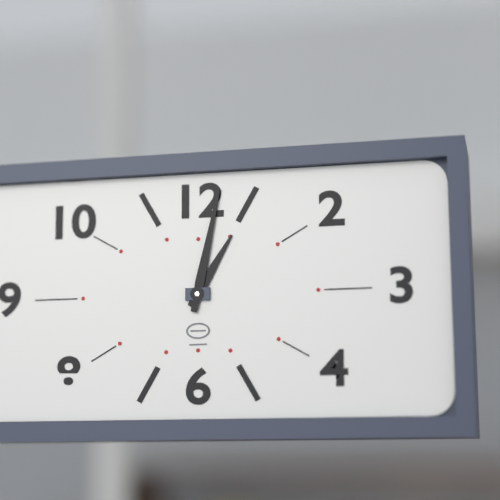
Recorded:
{"hour": 1, "minute": 2}
